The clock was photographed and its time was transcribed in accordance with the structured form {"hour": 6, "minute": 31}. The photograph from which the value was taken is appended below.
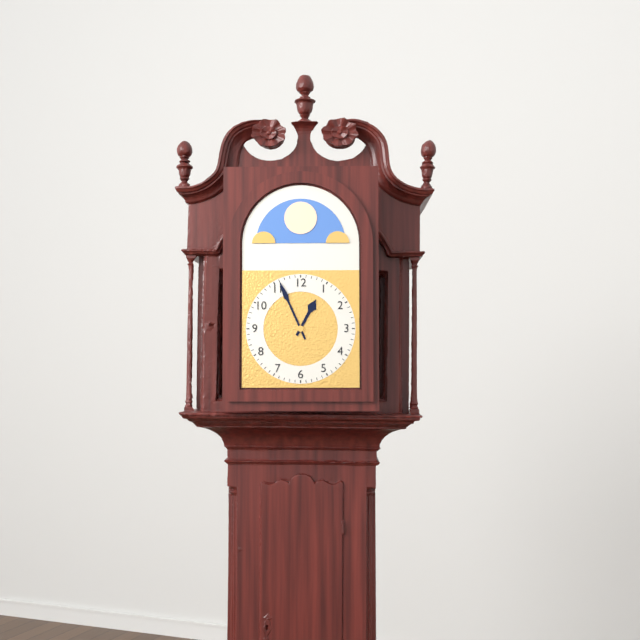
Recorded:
{"hour": 12, "minute": 56}
